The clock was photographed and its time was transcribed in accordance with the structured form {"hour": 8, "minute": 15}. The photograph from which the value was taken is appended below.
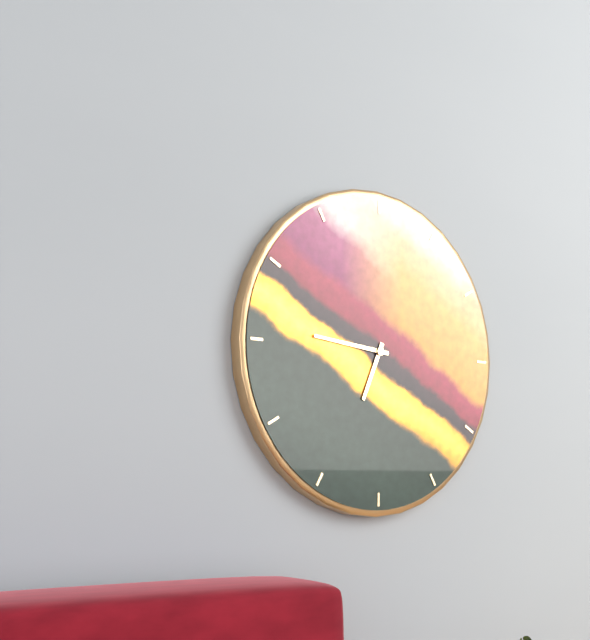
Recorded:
{"hour": 6, "minute": 46}
